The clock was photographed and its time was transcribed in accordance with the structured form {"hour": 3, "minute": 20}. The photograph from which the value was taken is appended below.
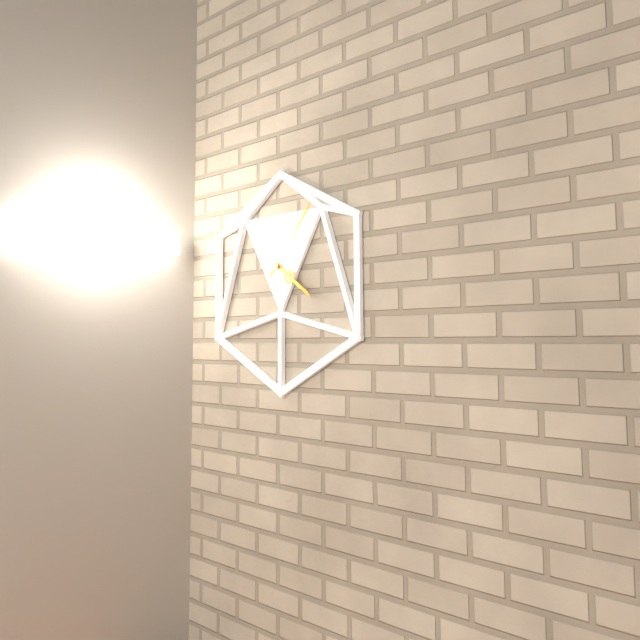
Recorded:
{"hour": 4, "minute": 7}
